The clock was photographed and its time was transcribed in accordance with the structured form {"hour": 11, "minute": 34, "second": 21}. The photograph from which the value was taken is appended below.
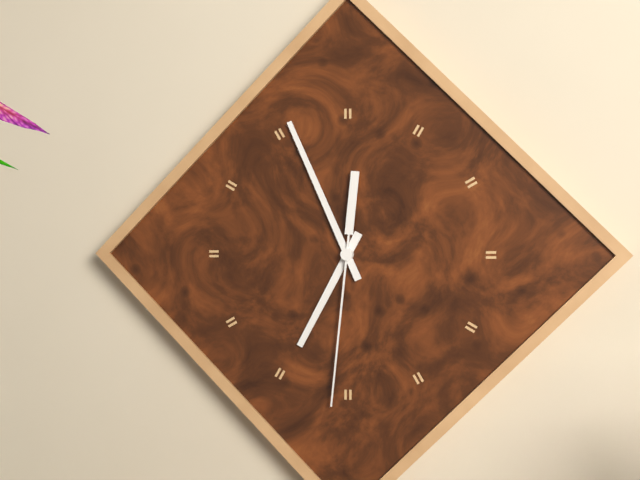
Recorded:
{"hour": 6, "minute": 56, "second": 31}
